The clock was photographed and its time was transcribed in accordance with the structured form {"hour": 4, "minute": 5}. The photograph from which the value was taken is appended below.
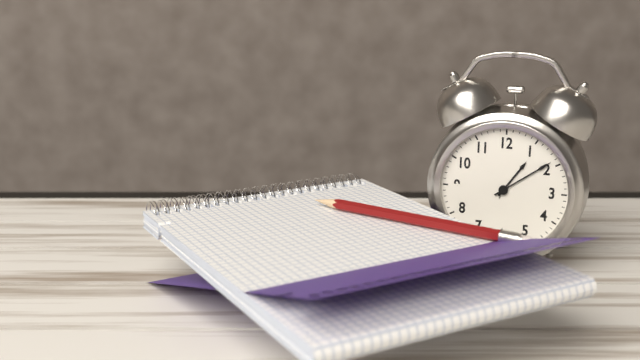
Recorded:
{"hour": 1, "minute": 9}
